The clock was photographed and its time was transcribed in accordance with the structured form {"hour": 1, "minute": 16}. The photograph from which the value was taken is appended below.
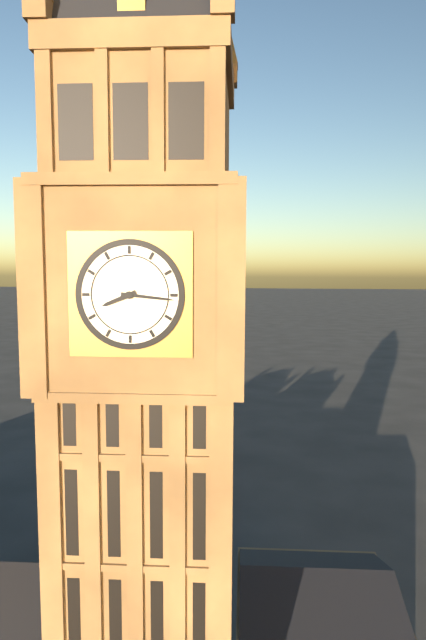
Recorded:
{"hour": 8, "minute": 16}
